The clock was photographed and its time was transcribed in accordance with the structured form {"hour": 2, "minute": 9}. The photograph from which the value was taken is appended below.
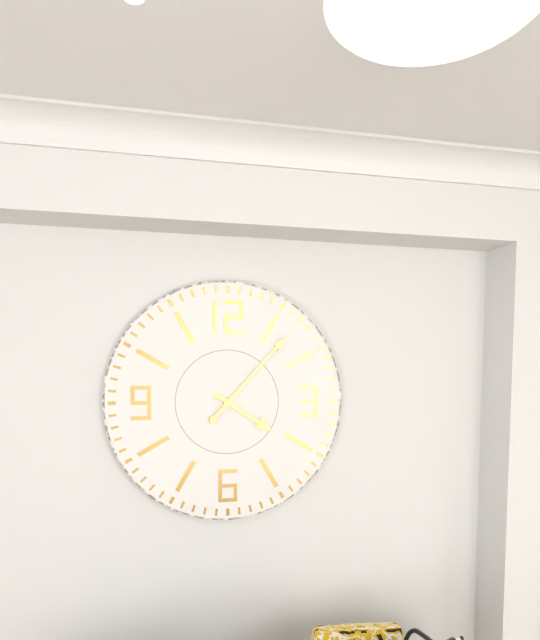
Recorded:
{"hour": 4, "minute": 7}
